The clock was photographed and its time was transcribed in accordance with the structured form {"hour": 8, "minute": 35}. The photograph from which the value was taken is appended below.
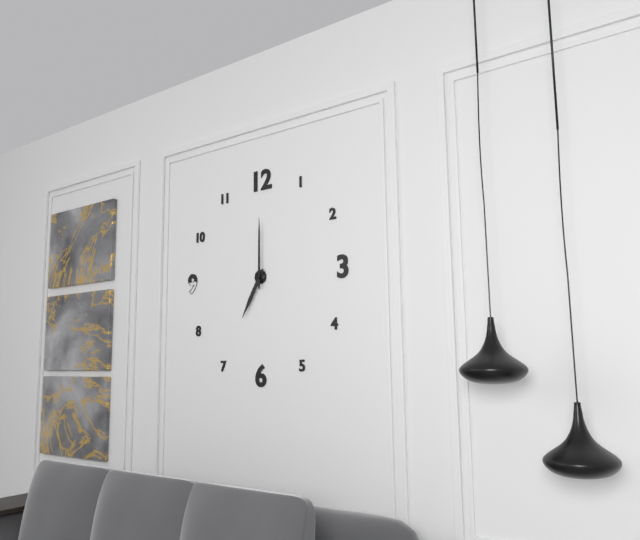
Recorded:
{"hour": 7, "minute": 0}
